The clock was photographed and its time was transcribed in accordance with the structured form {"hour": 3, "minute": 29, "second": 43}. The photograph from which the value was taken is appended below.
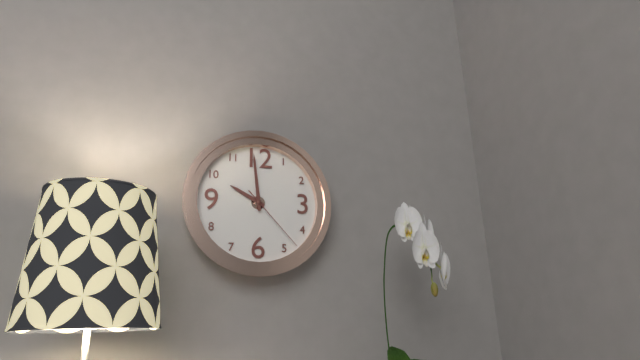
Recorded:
{"hour": 9, "minute": 59, "second": 23}
